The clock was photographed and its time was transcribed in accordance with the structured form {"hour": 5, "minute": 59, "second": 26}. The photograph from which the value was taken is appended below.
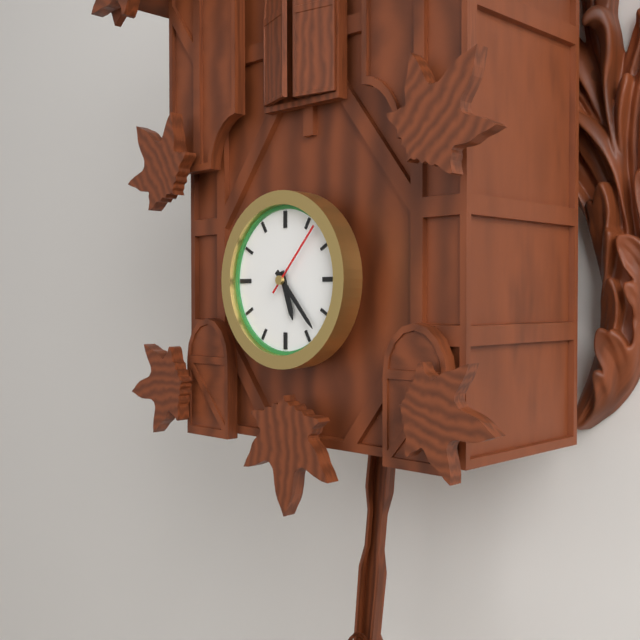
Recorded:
{"hour": 5, "minute": 23, "second": 7}
